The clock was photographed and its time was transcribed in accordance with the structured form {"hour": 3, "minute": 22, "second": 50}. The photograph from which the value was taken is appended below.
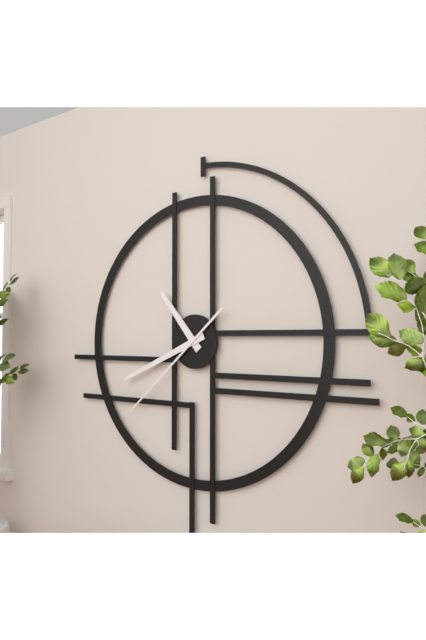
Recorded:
{"hour": 10, "minute": 41, "second": 38}
